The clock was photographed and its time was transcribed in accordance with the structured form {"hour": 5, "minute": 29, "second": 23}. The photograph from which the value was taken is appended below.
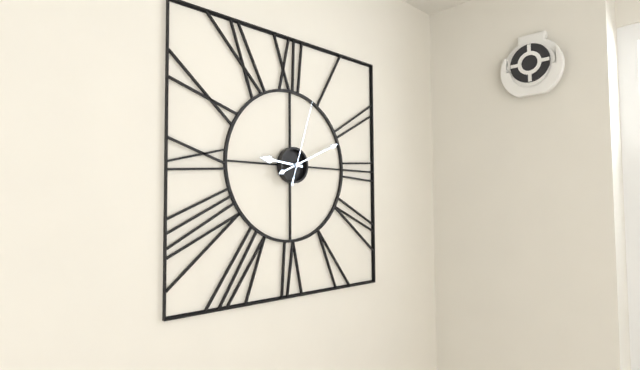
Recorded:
{"hour": 9, "minute": 11, "second": 3}
